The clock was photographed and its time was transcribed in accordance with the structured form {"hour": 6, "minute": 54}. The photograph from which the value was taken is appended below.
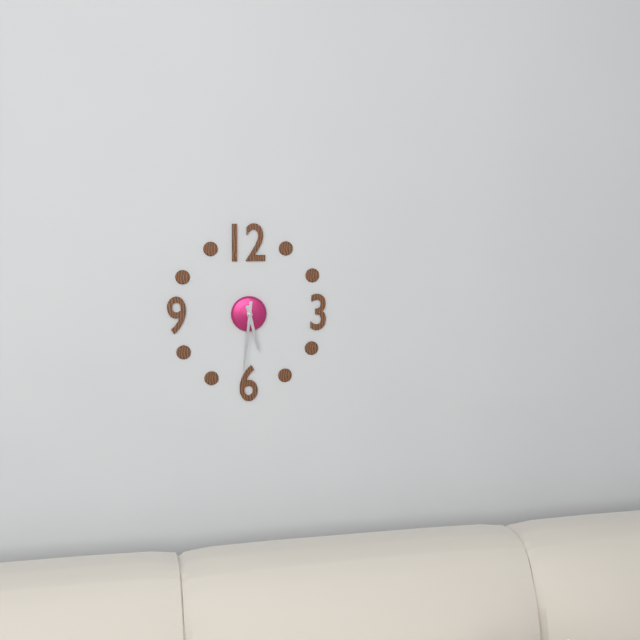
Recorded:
{"hour": 5, "minute": 31}
